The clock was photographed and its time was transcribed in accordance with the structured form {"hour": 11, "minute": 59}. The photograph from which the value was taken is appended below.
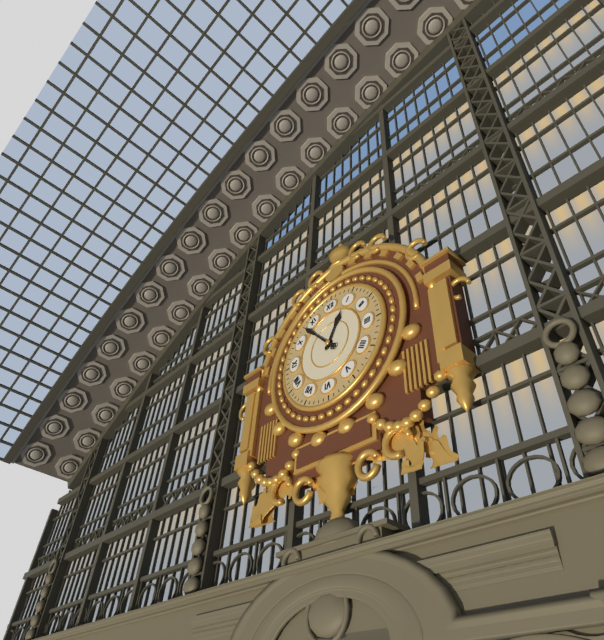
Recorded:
{"hour": 12, "minute": 53}
